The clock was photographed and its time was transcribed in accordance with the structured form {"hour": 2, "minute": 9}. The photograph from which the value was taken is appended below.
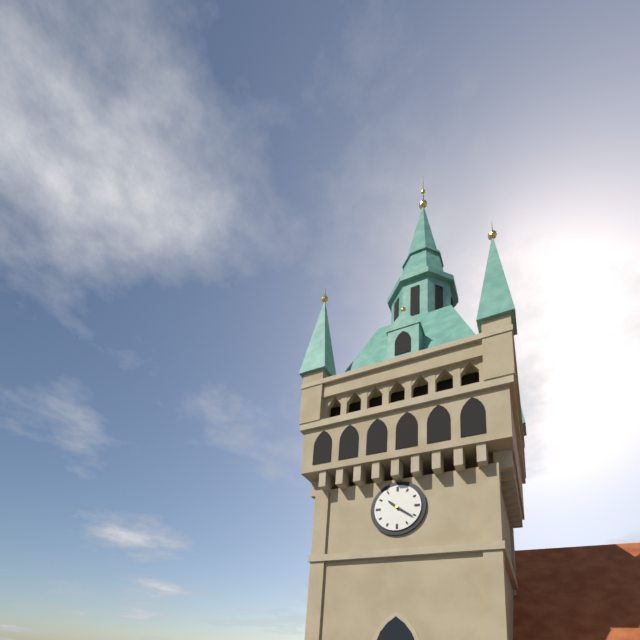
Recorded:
{"hour": 10, "minute": 21}
